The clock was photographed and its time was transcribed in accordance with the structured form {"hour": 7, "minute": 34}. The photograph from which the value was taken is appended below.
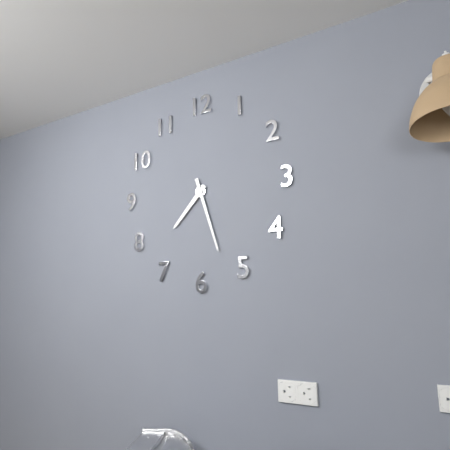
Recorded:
{"hour": 7, "minute": 27}
